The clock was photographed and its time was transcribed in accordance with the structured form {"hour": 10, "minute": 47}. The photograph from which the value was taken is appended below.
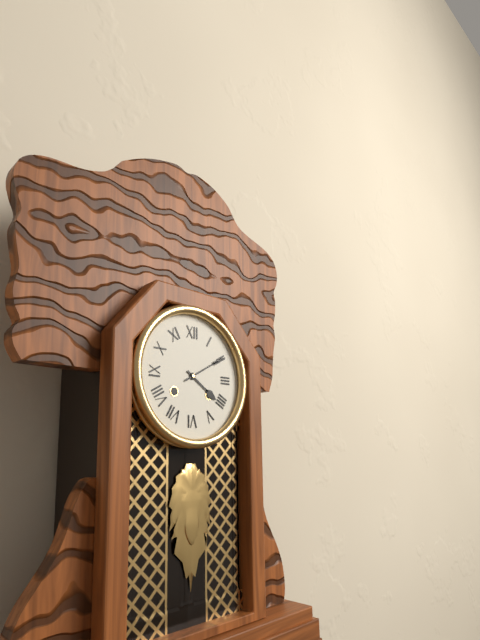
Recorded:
{"hour": 4, "minute": 10}
